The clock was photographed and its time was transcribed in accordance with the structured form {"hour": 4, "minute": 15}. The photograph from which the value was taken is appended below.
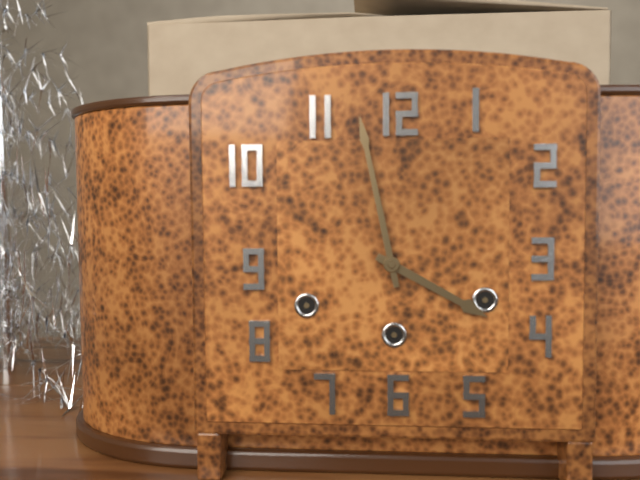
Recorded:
{"hour": 3, "minute": 58}
